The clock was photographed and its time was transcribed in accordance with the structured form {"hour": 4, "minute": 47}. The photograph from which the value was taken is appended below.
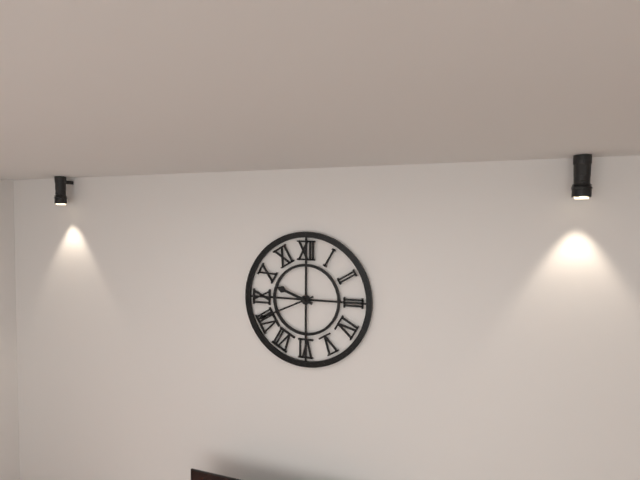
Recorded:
{"hour": 9, "minute": 41}
